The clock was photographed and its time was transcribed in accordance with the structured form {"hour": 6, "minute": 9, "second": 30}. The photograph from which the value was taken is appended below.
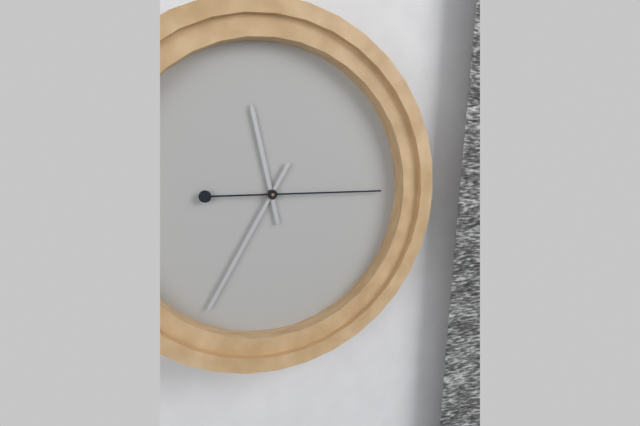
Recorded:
{"hour": 11, "minute": 35, "second": 15}
